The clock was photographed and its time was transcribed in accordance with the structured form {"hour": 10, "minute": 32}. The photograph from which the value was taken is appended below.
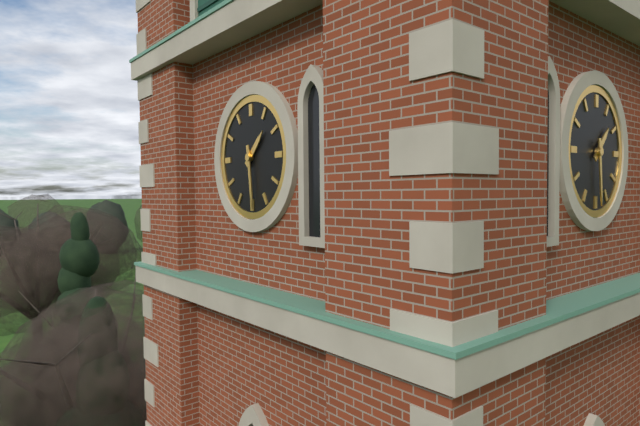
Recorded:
{"hour": 1, "minute": 29}
